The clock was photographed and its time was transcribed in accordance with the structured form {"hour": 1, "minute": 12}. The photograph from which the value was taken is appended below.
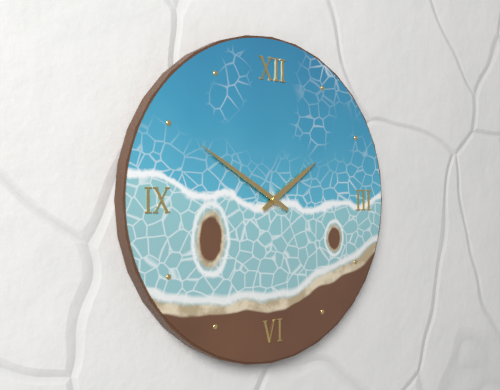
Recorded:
{"hour": 1, "minute": 50}
